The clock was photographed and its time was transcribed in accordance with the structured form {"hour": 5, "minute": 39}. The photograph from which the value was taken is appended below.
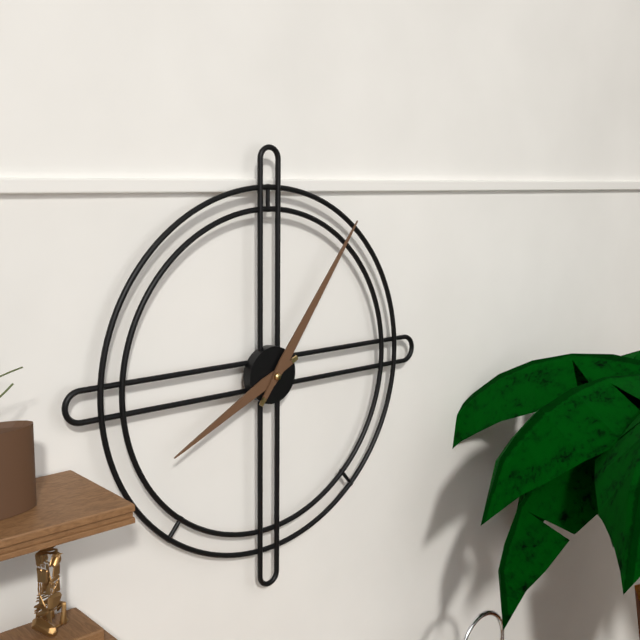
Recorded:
{"hour": 8, "minute": 6}
